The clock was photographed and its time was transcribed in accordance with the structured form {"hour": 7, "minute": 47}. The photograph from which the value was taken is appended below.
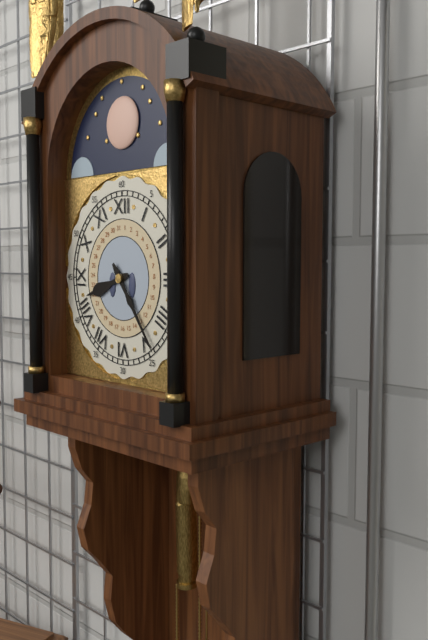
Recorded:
{"hour": 8, "minute": 24}
